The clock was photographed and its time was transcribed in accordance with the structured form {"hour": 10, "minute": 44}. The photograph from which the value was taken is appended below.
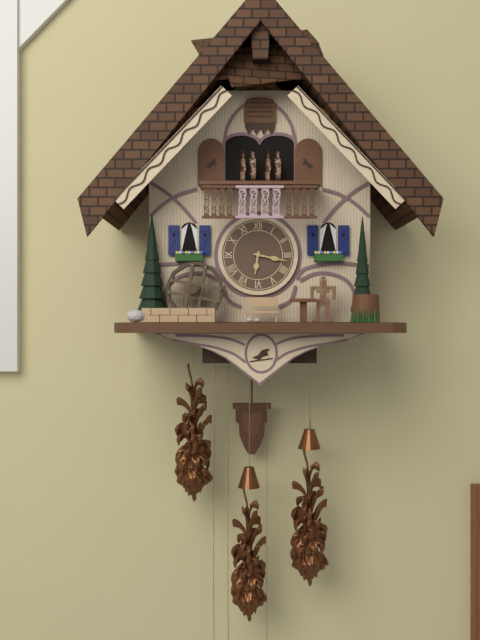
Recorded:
{"hour": 6, "minute": 17}
